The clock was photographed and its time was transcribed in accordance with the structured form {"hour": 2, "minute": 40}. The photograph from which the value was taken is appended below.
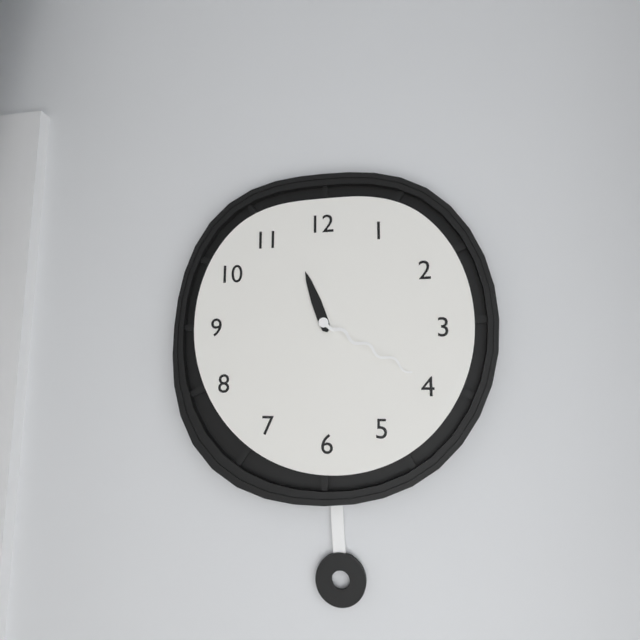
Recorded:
{"hour": 11, "minute": 20}
